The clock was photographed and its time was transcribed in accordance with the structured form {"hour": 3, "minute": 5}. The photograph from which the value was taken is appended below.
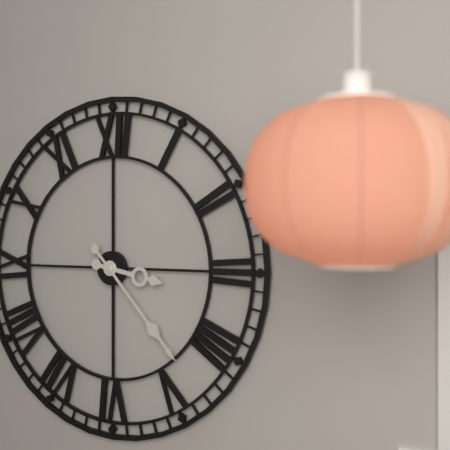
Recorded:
{"hour": 3, "minute": 23}
